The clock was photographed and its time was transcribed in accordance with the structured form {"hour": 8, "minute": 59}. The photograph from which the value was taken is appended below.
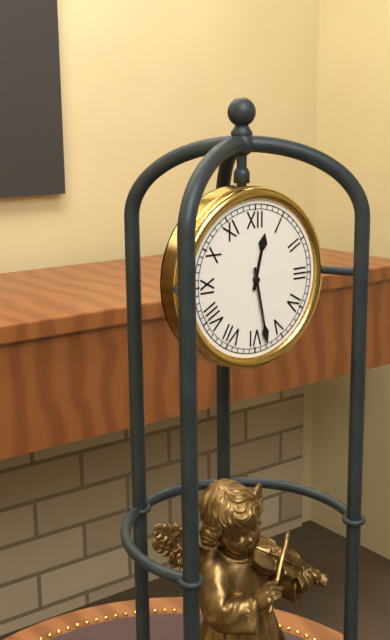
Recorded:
{"hour": 12, "minute": 28}
